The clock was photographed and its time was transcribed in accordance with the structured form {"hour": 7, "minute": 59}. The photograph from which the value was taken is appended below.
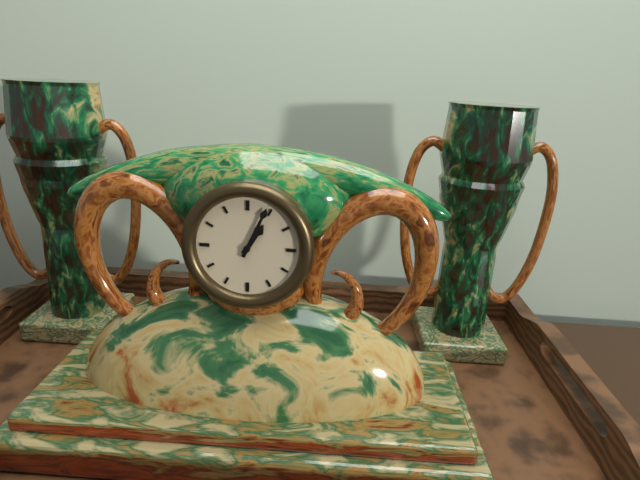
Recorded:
{"hour": 1, "minute": 4}
